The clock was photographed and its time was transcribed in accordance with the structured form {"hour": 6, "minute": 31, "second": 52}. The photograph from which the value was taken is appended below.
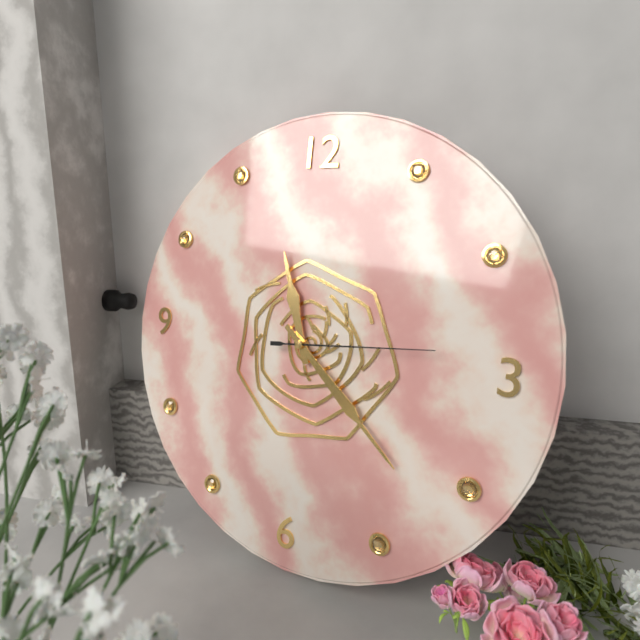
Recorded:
{"hour": 11, "minute": 22, "second": 14}
